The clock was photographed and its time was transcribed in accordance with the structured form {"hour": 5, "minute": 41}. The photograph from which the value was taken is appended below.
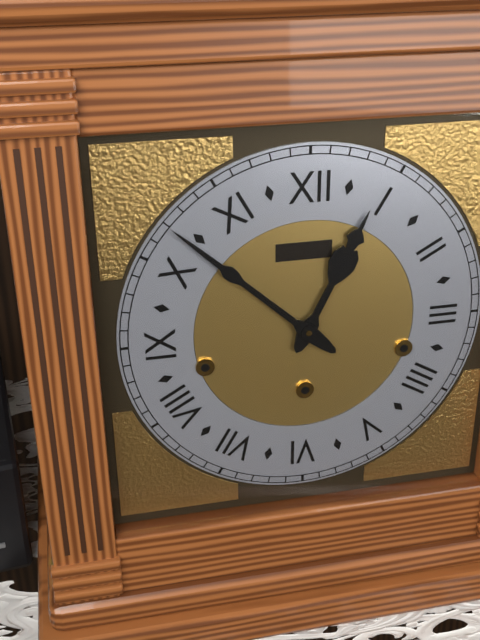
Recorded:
{"hour": 12, "minute": 52}
